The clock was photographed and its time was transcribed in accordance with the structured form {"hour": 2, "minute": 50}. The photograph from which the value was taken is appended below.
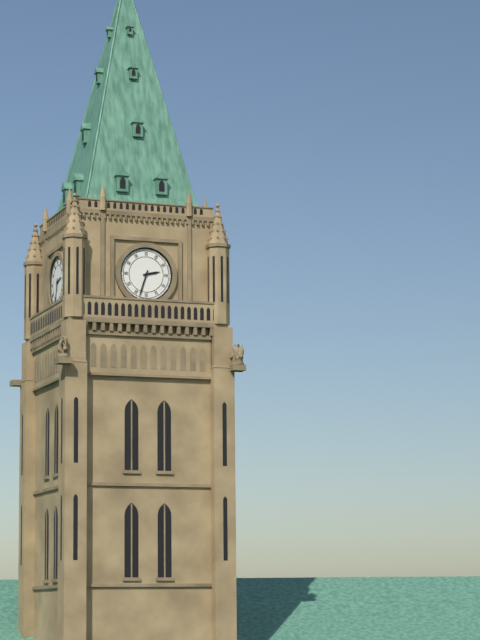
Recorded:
{"hour": 2, "minute": 33}
